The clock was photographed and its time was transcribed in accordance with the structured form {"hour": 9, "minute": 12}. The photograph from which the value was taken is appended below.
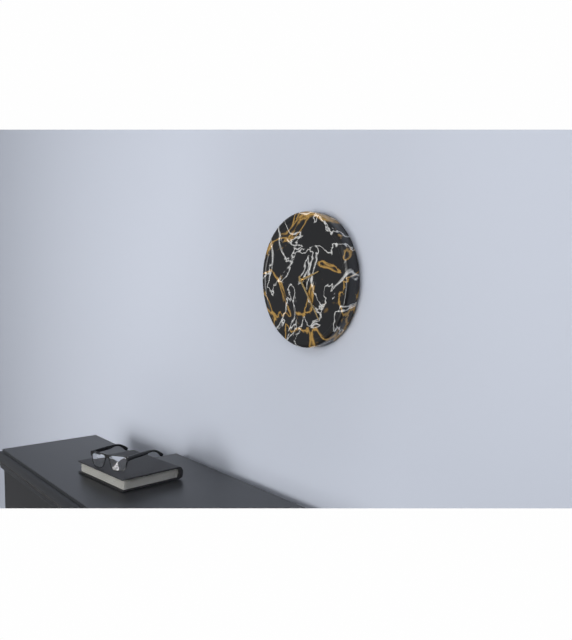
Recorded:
{"hour": 2, "minute": 24}
